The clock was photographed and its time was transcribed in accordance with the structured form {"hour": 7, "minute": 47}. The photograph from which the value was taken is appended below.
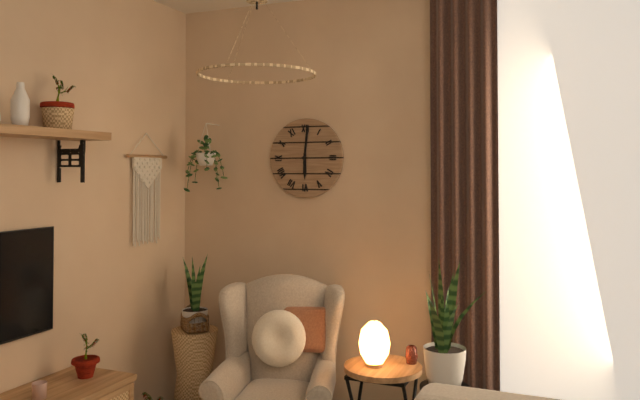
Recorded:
{"hour": 6, "minute": 1}
